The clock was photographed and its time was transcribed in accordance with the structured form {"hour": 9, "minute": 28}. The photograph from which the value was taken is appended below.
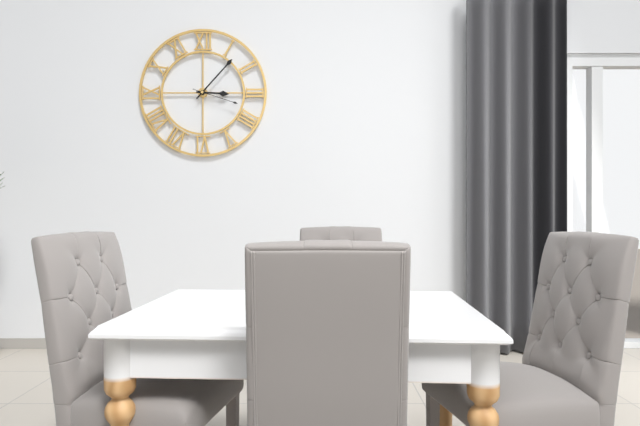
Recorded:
{"hour": 3, "minute": 7}
